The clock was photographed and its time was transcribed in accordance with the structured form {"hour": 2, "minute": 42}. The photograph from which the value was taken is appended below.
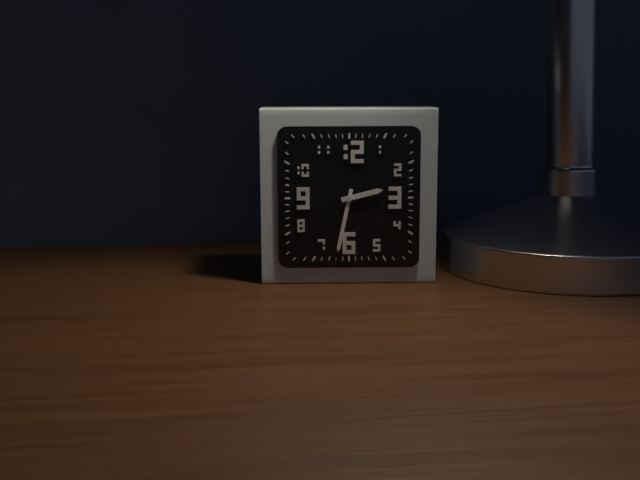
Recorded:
{"hour": 2, "minute": 32}
